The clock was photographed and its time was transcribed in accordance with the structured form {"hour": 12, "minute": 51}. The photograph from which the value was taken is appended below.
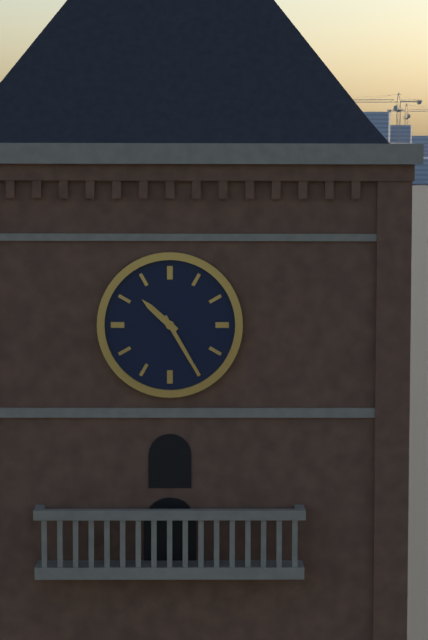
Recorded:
{"hour": 10, "minute": 25}
